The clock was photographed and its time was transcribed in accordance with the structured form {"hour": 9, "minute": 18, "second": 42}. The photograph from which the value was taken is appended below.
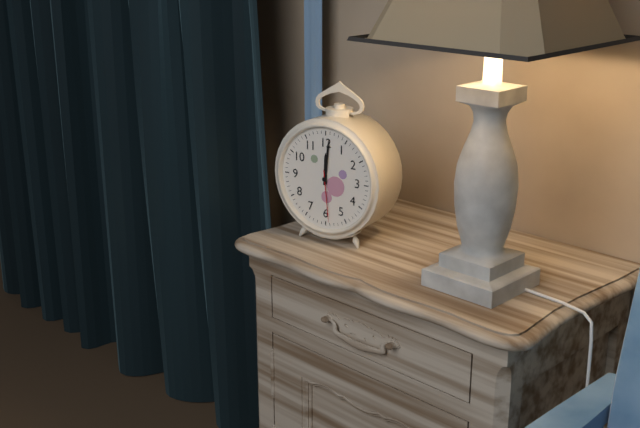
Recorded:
{"hour": 12, "minute": 1, "second": 29}
